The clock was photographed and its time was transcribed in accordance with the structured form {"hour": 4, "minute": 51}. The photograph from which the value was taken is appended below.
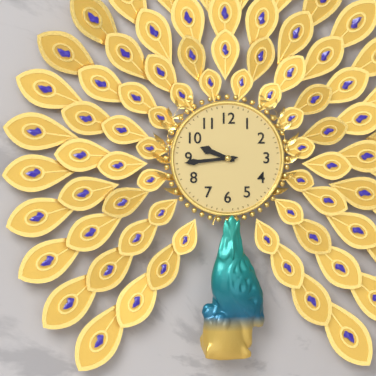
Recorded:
{"hour": 9, "minute": 44}
